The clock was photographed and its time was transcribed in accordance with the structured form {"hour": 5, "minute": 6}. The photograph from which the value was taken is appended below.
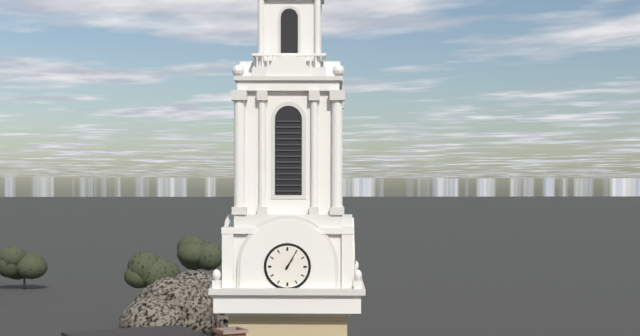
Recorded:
{"hour": 1, "minute": 5}
